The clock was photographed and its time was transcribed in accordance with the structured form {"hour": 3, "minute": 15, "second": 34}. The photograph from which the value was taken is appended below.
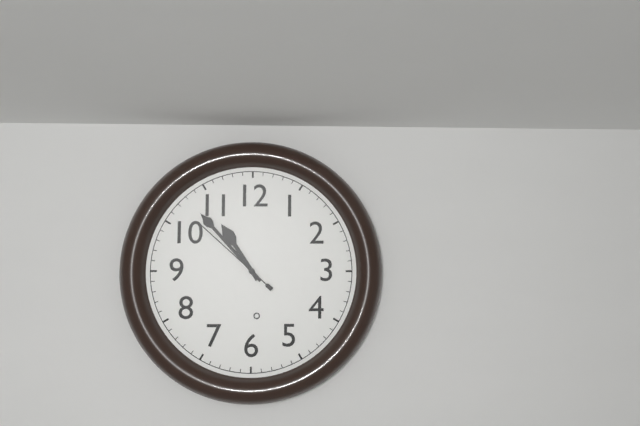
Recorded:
{"hour": 10, "minute": 53, "second": 52}
